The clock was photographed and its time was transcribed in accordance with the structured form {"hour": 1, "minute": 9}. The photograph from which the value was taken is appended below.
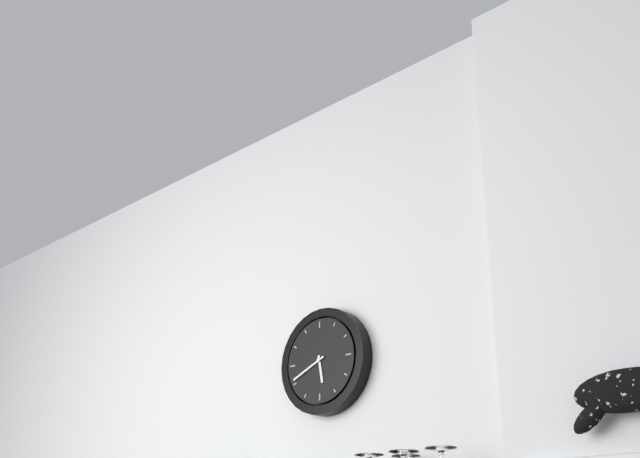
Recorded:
{"hour": 5, "minute": 41}
